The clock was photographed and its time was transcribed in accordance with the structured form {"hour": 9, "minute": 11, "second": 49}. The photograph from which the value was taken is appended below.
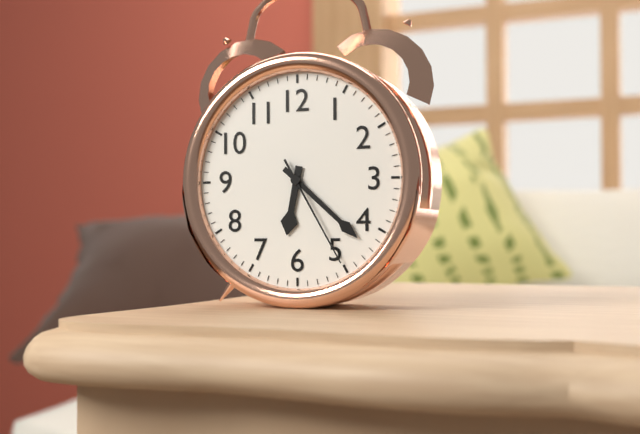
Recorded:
{"hour": 6, "minute": 22, "second": 25}
